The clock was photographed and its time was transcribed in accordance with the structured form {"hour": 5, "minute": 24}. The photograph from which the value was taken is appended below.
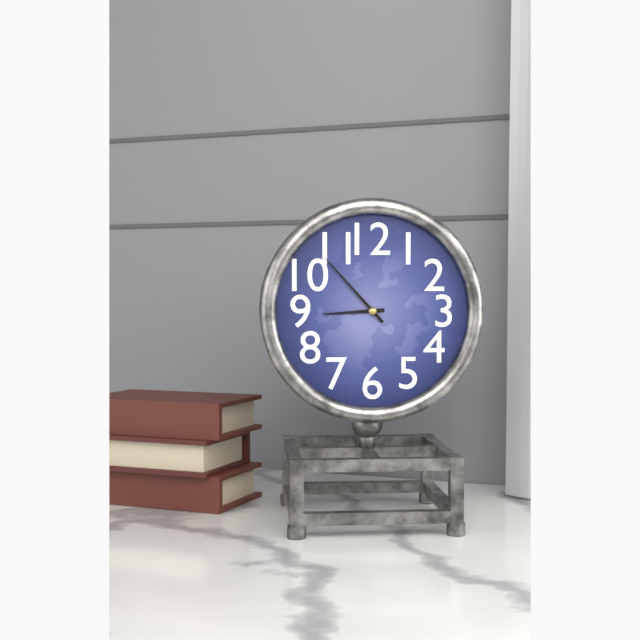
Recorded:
{"hour": 8, "minute": 53}
